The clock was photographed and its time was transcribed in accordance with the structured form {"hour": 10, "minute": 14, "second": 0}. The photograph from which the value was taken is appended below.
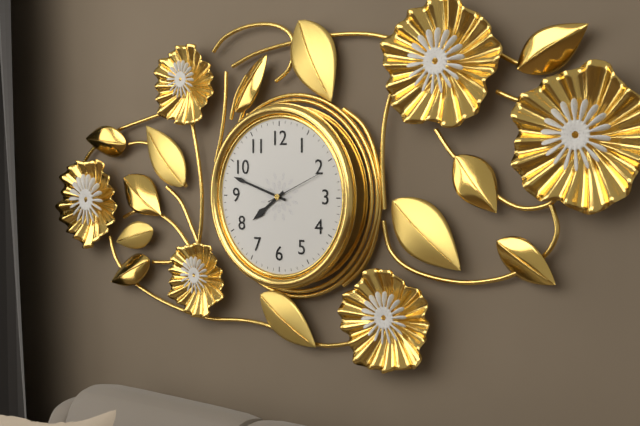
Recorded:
{"hour": 7, "minute": 48, "second": 11}
